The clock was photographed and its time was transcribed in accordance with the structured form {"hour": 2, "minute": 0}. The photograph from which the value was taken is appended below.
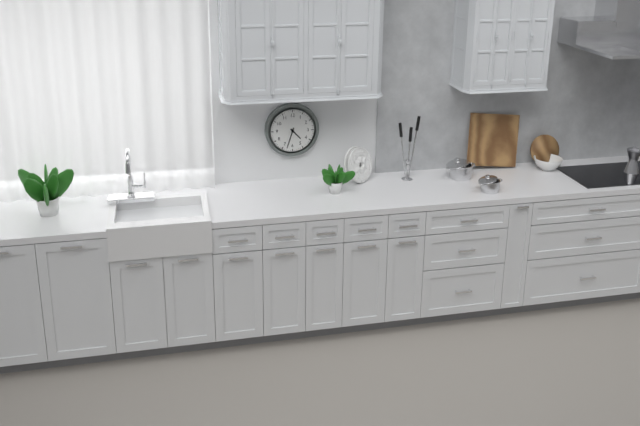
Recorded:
{"hour": 4, "minute": 33}
